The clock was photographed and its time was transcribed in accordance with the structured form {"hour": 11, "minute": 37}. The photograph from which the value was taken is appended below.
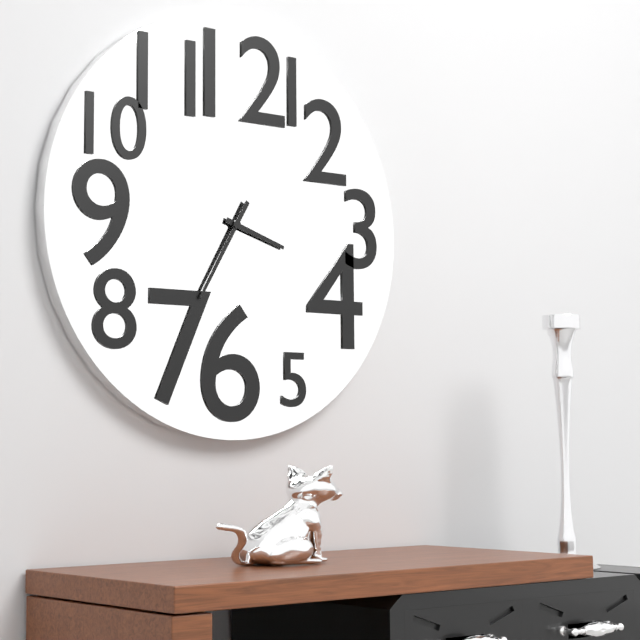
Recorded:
{"hour": 3, "minute": 35}
